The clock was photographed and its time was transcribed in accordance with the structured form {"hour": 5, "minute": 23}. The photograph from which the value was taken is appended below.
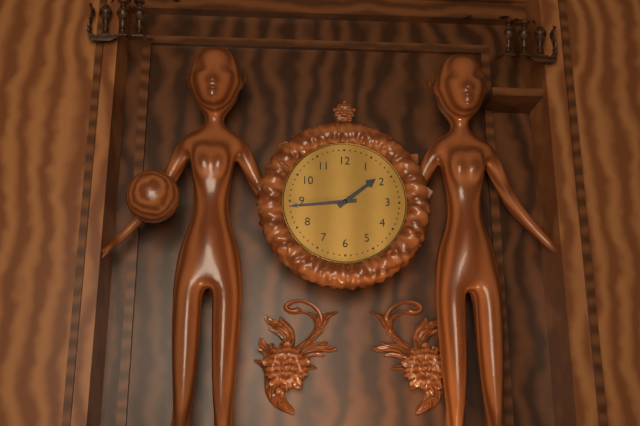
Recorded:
{"hour": 1, "minute": 44}
